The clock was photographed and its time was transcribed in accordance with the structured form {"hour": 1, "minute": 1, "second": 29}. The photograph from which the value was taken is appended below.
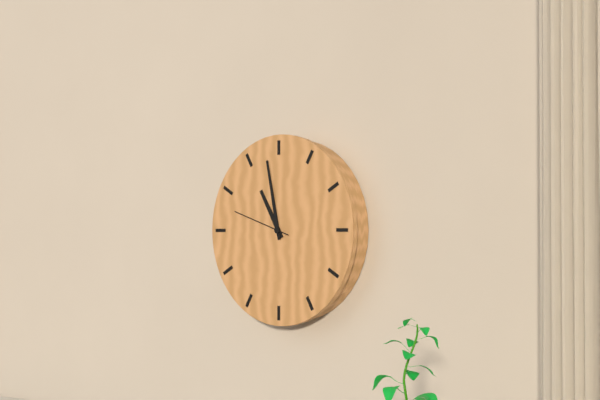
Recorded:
{"hour": 10, "minute": 58, "second": 48}
